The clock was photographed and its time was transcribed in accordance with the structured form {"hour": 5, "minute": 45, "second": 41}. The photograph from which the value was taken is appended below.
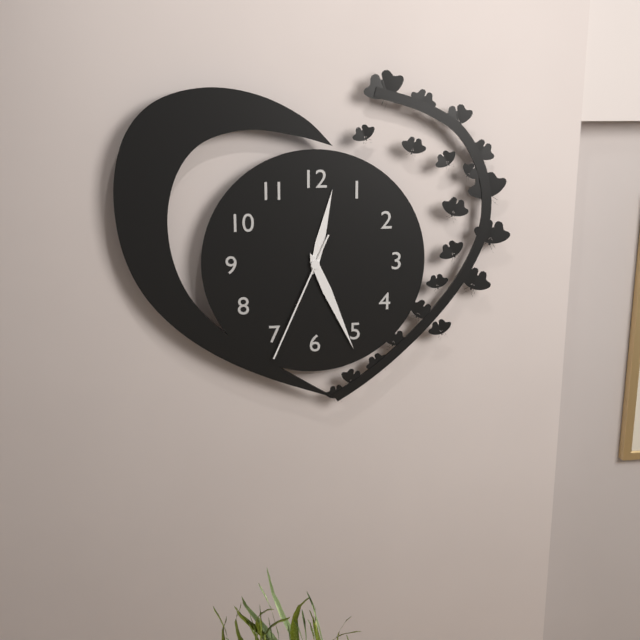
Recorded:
{"hour": 12, "minute": 26, "second": 34}
